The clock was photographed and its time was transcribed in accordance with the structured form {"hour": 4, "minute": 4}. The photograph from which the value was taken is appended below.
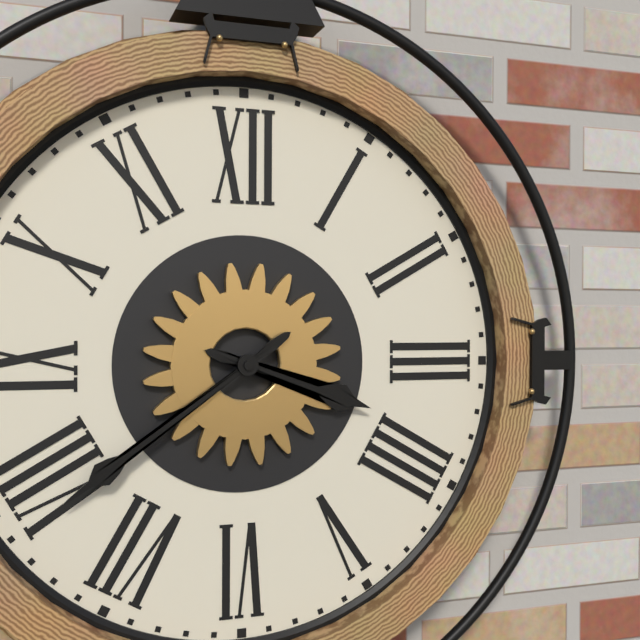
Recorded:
{"hour": 3, "minute": 39}
